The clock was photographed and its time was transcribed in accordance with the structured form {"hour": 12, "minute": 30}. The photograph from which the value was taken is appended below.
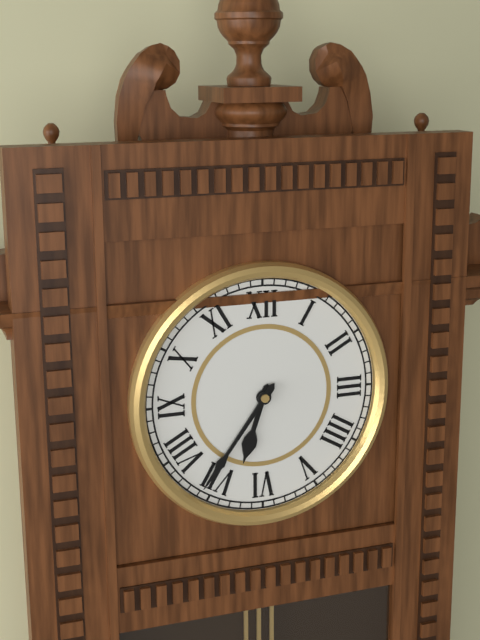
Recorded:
{"hour": 6, "minute": 36}
